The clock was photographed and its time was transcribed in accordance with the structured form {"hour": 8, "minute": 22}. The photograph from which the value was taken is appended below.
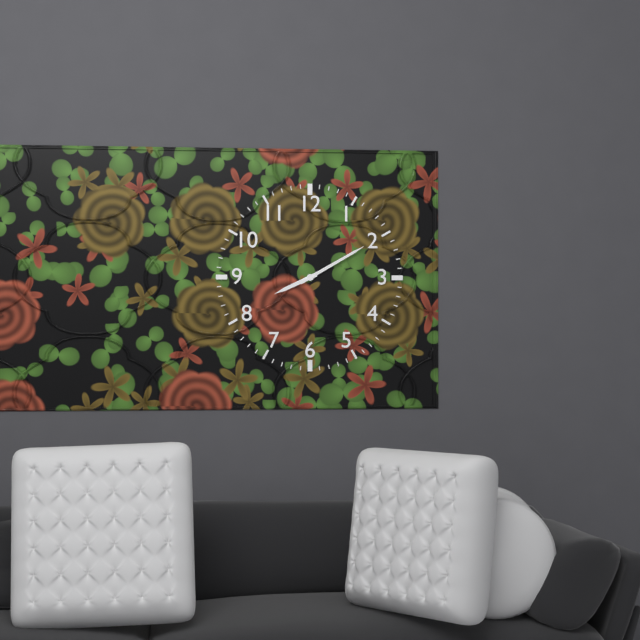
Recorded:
{"hour": 8, "minute": 10}
